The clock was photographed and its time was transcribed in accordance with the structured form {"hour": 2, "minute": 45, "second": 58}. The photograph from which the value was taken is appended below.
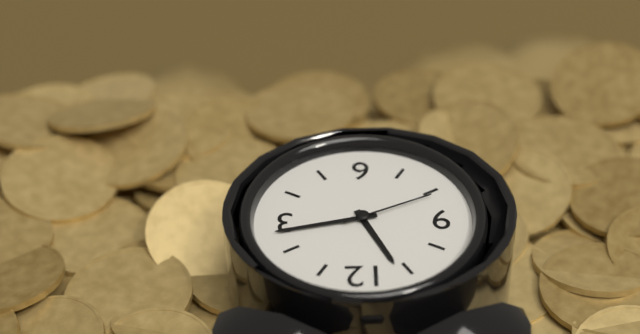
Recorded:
{"hour": 11, "minute": 13, "second": 41}
